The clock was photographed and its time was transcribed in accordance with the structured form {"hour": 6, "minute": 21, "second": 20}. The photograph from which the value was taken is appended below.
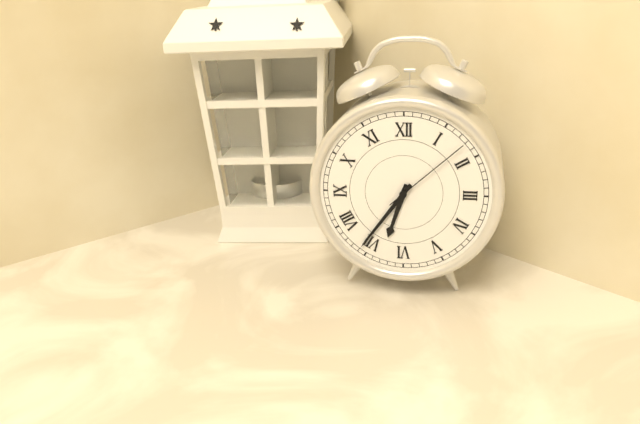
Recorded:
{"hour": 6, "minute": 36, "second": 8}
